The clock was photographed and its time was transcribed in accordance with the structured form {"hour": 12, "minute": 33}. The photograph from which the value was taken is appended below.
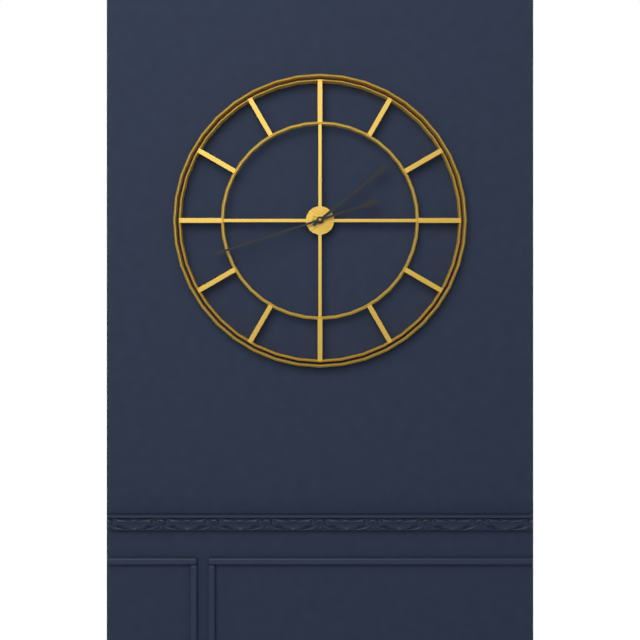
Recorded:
{"hour": 1, "minute": 42}
